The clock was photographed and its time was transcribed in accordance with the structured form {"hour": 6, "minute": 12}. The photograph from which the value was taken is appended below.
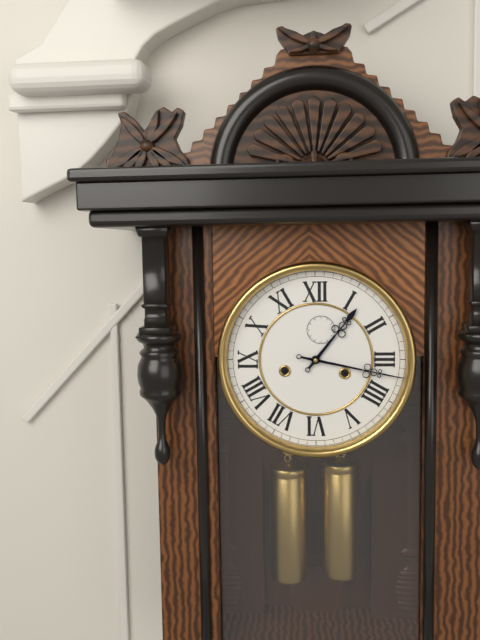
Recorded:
{"hour": 1, "minute": 17}
